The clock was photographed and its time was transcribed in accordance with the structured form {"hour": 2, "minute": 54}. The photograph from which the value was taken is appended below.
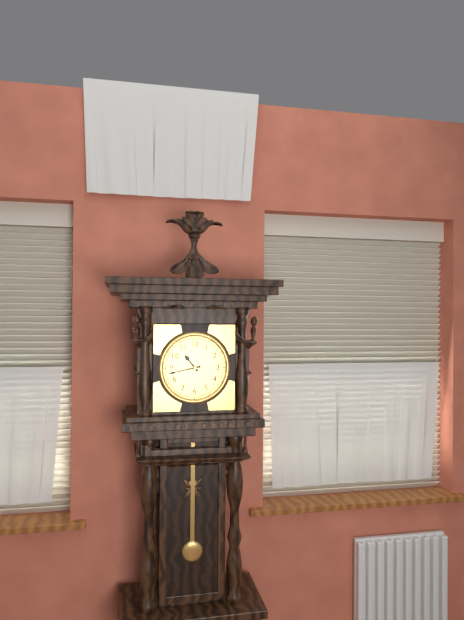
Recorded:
{"hour": 10, "minute": 43}
